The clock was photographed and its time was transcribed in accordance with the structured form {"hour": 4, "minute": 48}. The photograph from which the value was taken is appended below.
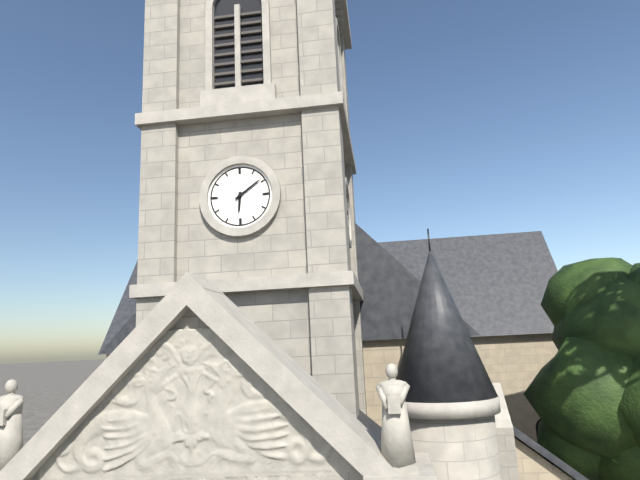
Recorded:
{"hour": 6, "minute": 9}
